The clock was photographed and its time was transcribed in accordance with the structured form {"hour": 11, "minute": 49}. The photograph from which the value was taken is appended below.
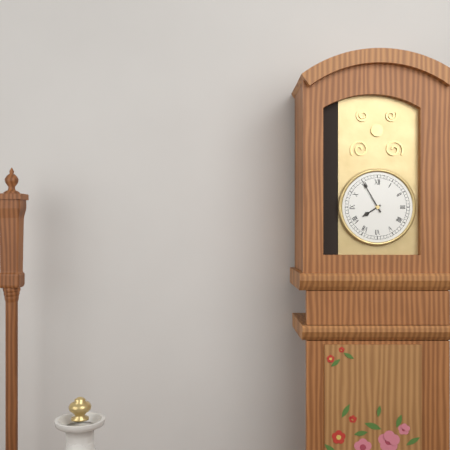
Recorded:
{"hour": 7, "minute": 55}
